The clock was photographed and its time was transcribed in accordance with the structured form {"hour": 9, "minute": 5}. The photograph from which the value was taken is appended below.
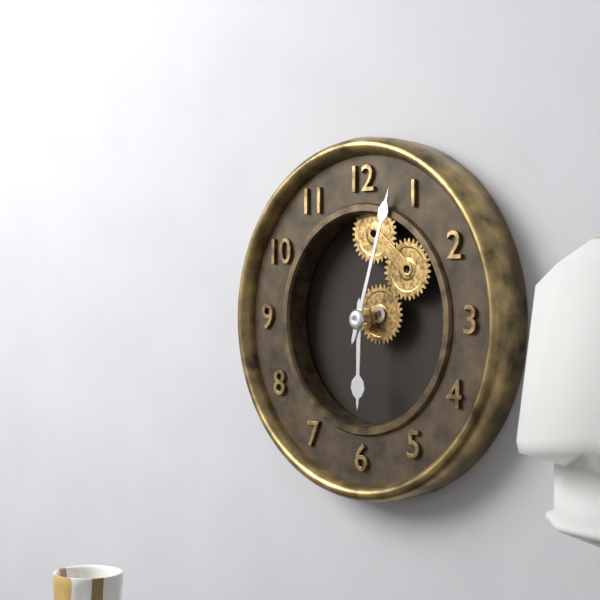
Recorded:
{"hour": 6, "minute": 3}
